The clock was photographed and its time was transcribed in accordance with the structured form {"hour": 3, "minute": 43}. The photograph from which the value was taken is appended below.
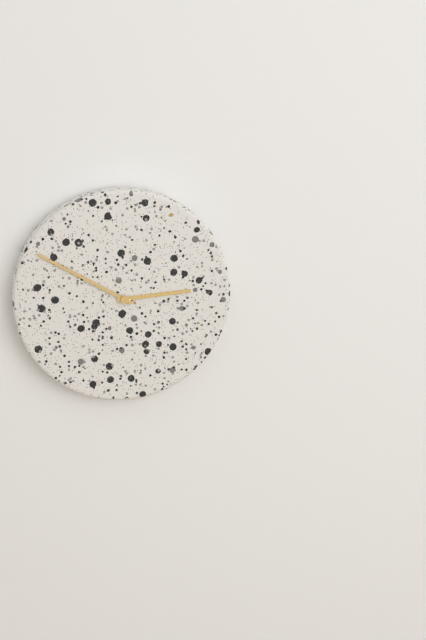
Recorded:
{"hour": 2, "minute": 50}
